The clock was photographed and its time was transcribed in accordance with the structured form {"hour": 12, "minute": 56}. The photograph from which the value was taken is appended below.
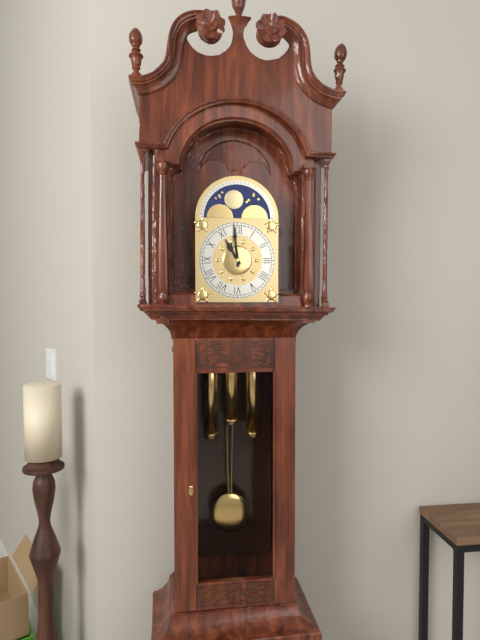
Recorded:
{"hour": 10, "minute": 59}
